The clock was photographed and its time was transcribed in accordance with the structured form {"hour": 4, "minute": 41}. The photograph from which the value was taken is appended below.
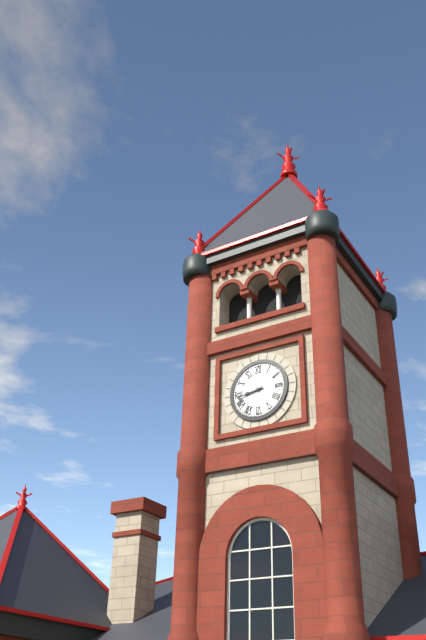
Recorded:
{"hour": 8, "minute": 43}
